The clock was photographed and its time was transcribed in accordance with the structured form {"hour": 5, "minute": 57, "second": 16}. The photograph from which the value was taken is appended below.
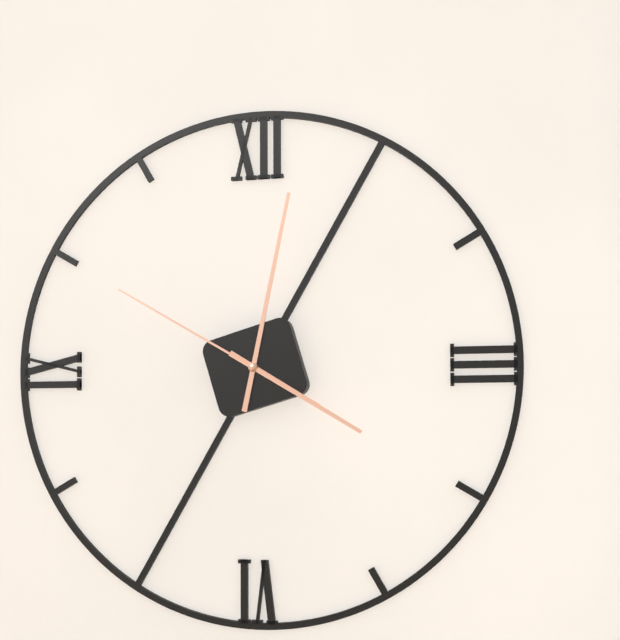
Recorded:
{"hour": 4, "minute": 2, "second": 50}
